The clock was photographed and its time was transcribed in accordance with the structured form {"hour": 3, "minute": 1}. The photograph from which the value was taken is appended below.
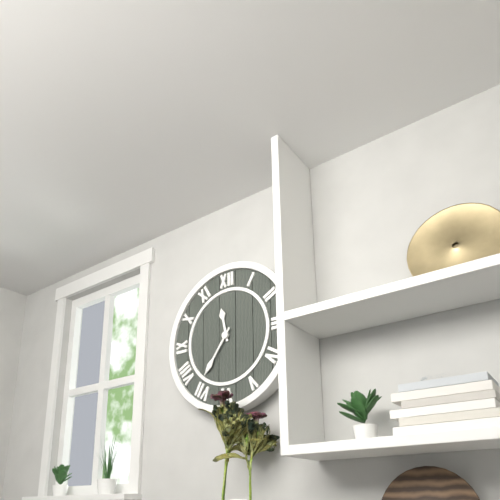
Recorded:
{"hour": 11, "minute": 36}
